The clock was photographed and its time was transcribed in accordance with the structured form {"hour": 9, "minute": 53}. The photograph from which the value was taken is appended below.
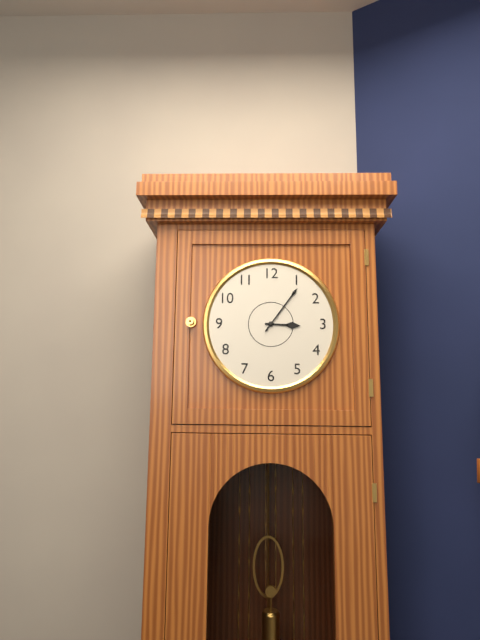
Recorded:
{"hour": 3, "minute": 6}
